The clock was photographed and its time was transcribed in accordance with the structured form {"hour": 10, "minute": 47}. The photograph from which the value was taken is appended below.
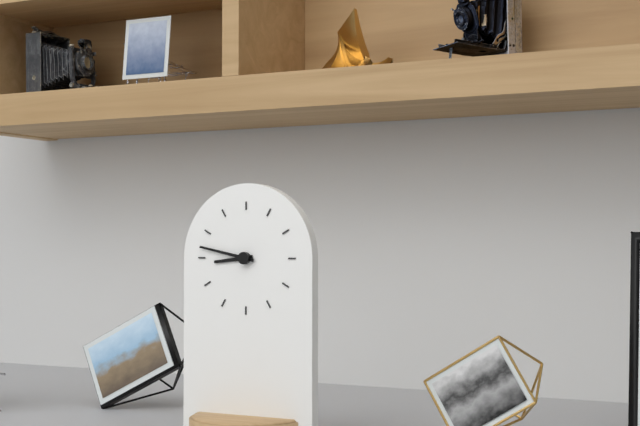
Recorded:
{"hour": 8, "minute": 47}
